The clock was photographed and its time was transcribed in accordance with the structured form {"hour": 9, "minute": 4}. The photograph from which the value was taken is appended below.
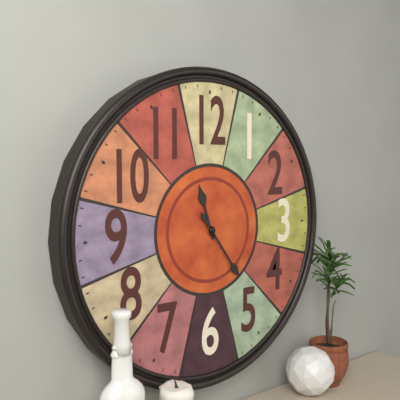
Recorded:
{"hour": 11, "minute": 24}
